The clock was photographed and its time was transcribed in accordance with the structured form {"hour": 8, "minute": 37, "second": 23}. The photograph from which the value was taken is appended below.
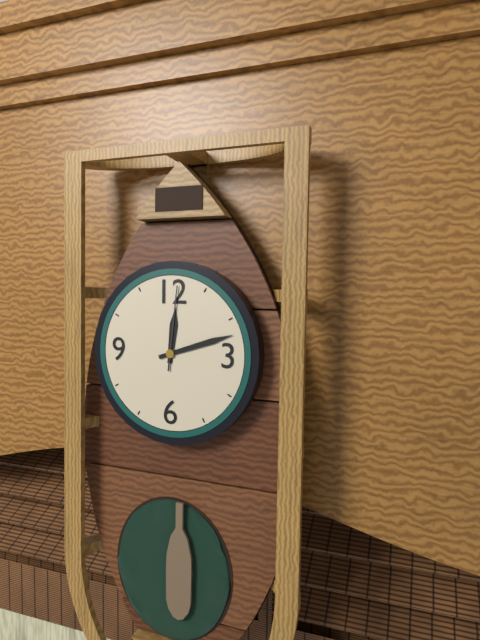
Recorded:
{"hour": 12, "minute": 12, "second": 1}
